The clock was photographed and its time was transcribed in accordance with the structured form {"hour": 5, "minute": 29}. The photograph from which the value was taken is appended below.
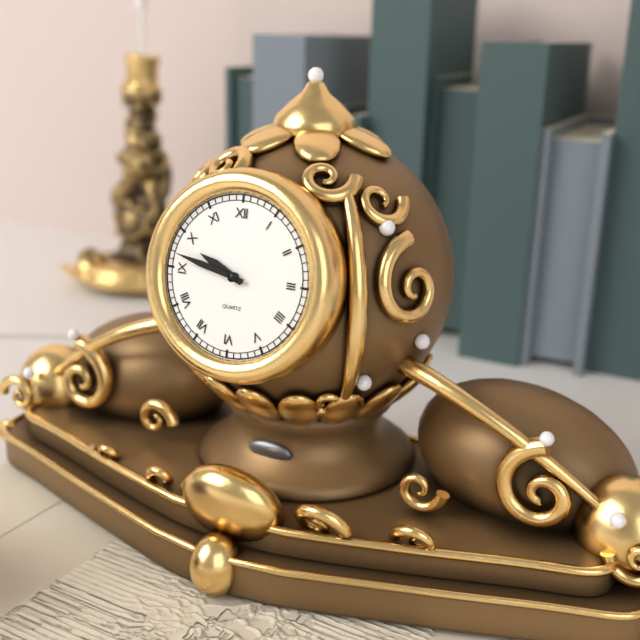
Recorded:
{"hour": 9, "minute": 47}
